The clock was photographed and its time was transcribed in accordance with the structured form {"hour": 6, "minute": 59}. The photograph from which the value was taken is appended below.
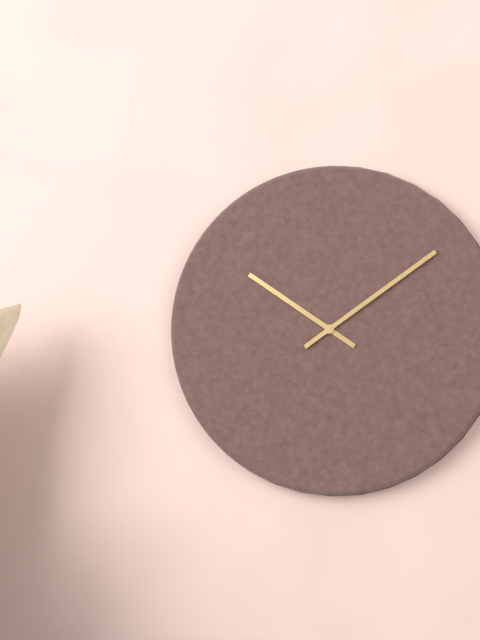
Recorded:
{"hour": 10, "minute": 9}
